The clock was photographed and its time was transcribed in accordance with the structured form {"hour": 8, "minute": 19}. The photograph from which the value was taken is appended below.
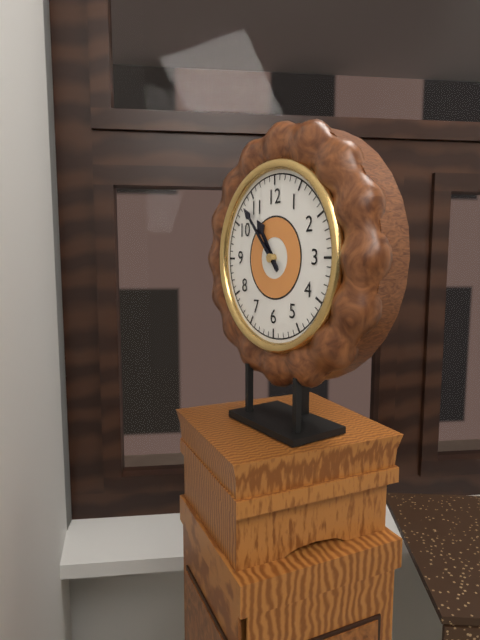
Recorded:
{"hour": 10, "minute": 53}
